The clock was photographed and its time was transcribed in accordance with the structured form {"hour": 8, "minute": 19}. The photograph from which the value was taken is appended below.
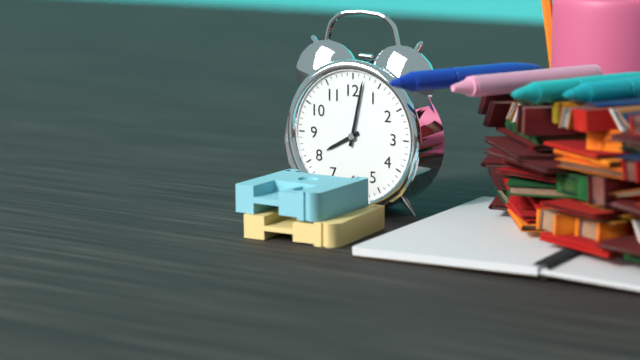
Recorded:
{"hour": 8, "minute": 2}
